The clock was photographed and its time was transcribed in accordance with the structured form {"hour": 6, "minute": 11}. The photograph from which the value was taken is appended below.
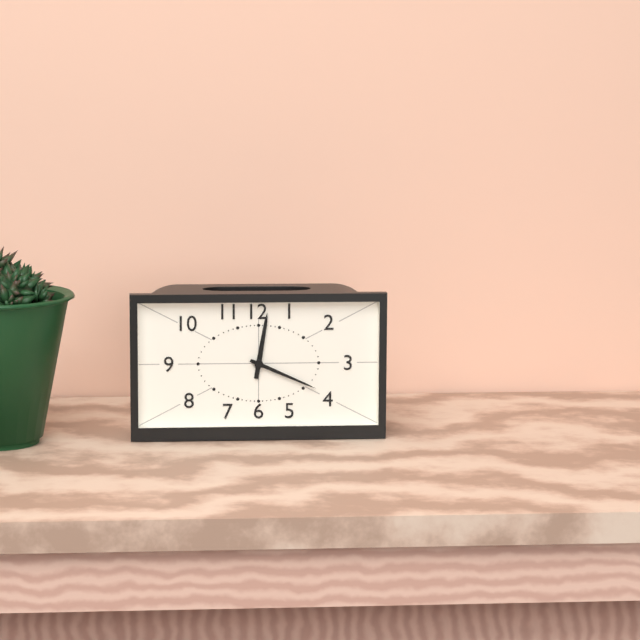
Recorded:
{"hour": 12, "minute": 19}
